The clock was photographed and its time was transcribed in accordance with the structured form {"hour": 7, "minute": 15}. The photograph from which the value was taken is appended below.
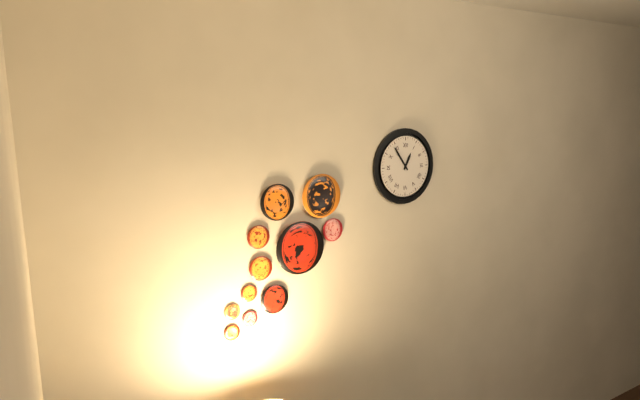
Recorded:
{"hour": 12, "minute": 54}
